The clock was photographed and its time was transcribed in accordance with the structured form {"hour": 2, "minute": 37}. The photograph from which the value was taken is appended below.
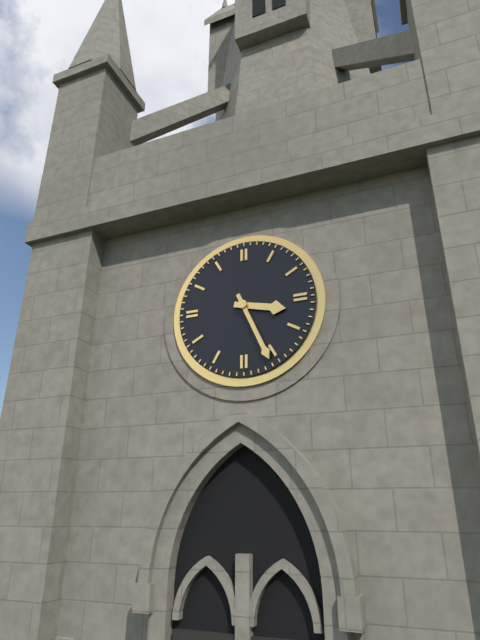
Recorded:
{"hour": 3, "minute": 26}
